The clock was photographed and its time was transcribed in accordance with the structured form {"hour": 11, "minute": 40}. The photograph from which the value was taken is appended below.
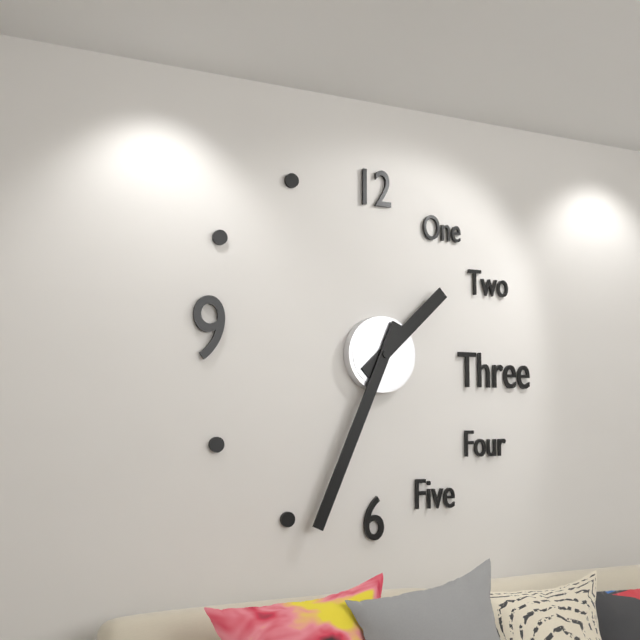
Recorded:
{"hour": 1, "minute": 34}
